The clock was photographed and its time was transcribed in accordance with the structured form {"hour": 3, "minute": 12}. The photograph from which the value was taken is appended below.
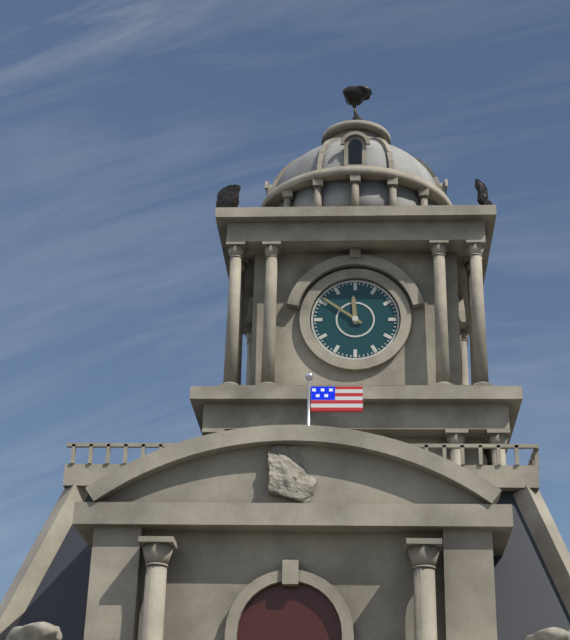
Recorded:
{"hour": 11, "minute": 51}
